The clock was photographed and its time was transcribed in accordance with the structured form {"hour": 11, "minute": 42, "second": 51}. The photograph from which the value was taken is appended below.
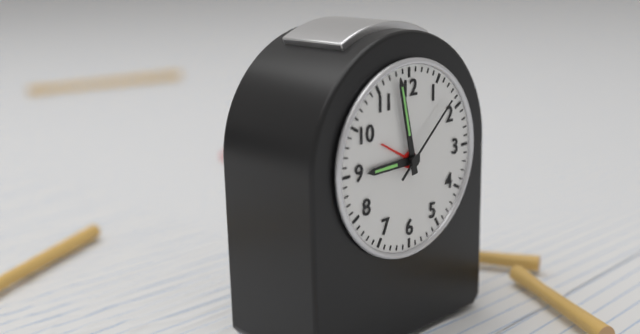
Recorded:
{"hour": 8, "minute": 58, "second": 8}
